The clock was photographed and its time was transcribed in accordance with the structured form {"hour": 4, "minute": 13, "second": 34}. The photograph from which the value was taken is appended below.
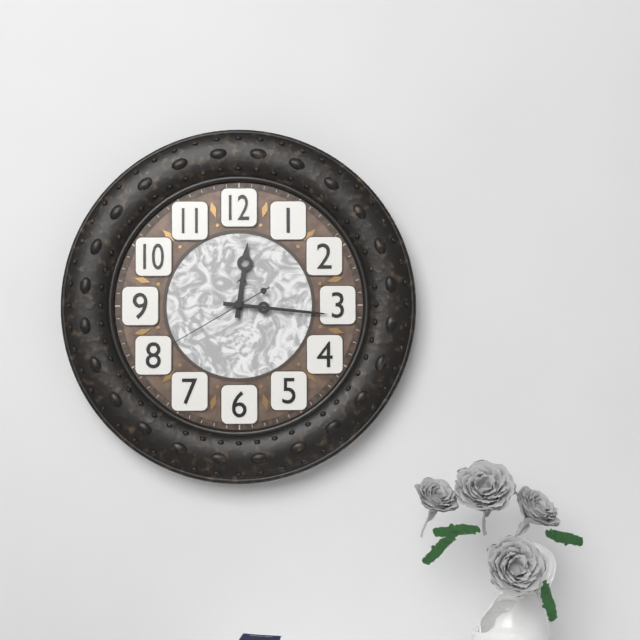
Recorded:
{"hour": 12, "minute": 16, "second": 40}
